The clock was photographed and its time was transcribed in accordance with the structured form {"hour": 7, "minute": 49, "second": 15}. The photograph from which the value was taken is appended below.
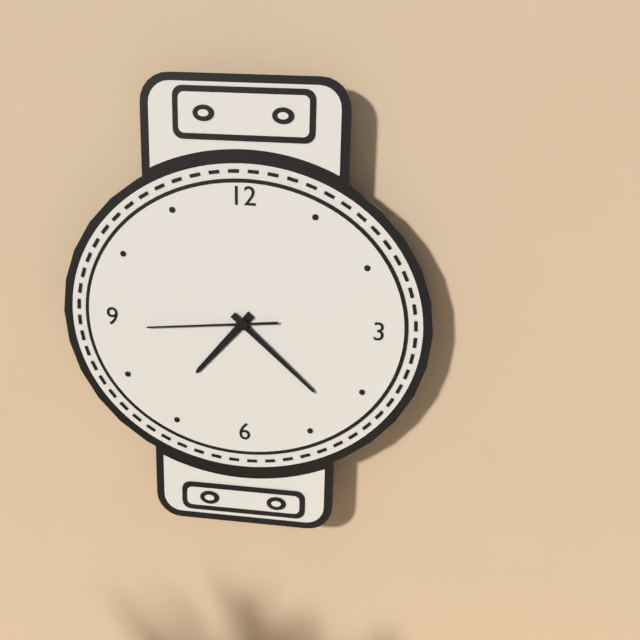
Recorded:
{"hour": 7, "minute": 22, "second": 44}
